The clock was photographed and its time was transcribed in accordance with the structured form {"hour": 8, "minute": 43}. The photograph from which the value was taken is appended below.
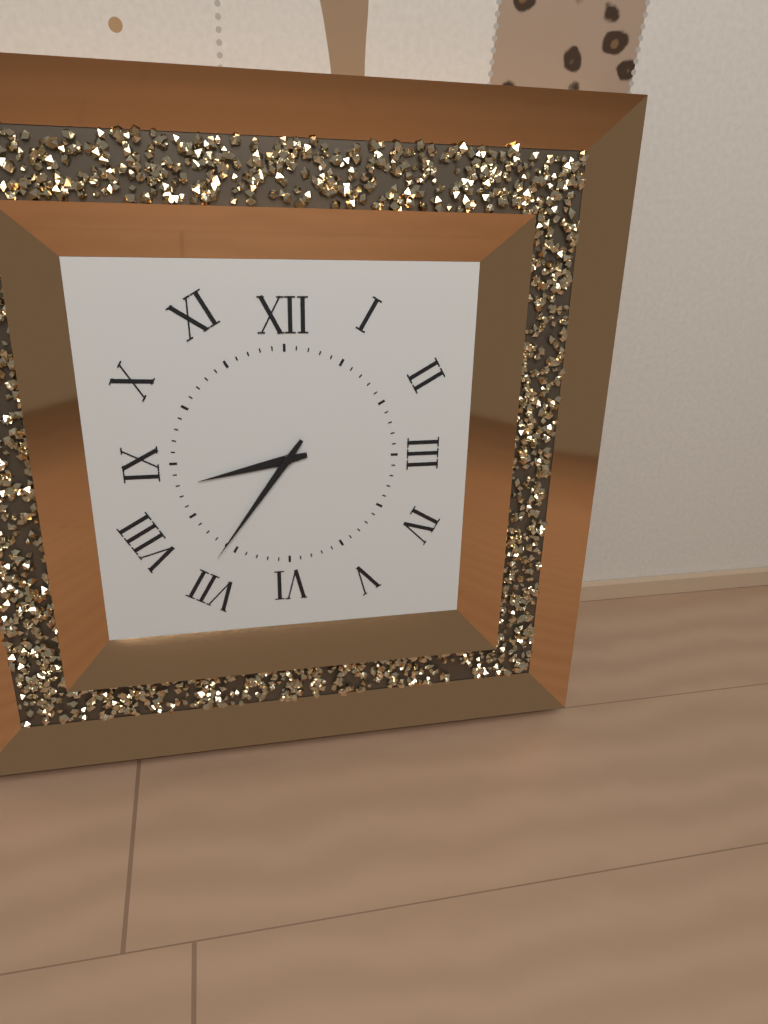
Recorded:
{"hour": 8, "minute": 36}
